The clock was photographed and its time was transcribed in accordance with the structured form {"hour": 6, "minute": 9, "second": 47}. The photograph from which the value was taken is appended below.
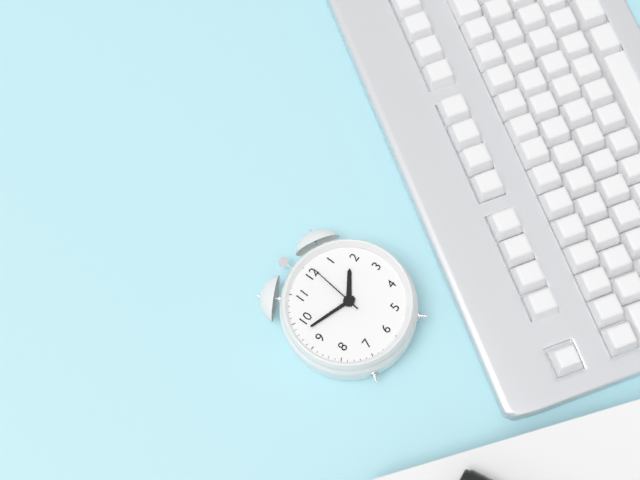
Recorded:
{"hour": 1, "minute": 48, "second": 1}
